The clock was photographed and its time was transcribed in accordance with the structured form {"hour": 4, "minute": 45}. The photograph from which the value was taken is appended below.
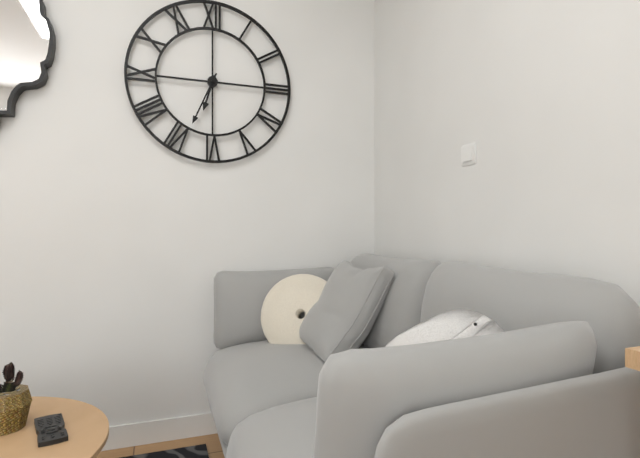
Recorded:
{"hour": 6, "minute": 34}
